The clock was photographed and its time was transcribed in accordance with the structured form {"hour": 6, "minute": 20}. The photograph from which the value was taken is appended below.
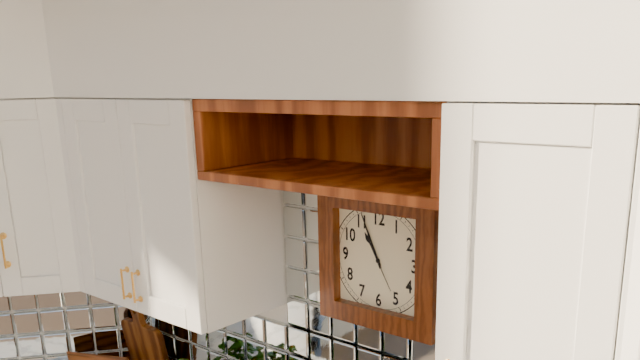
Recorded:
{"hour": 10, "minute": 56}
